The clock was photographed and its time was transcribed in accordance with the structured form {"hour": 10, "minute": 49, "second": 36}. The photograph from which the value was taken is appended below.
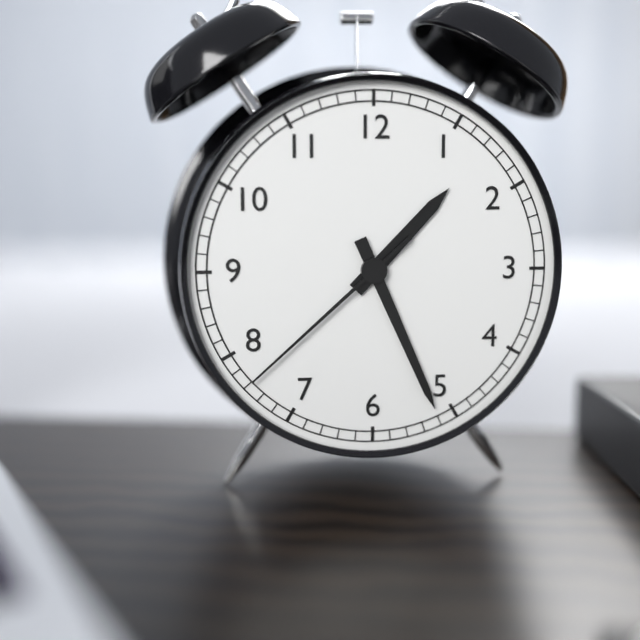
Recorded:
{"hour": 1, "minute": 26, "second": 38}
